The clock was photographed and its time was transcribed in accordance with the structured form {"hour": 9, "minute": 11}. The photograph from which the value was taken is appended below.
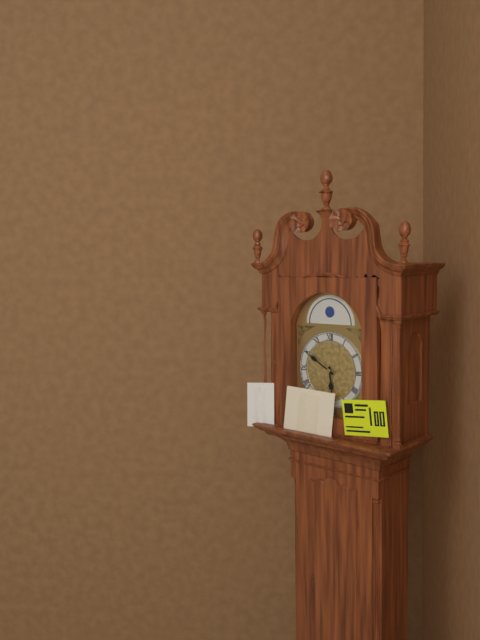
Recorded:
{"hour": 5, "minute": 50}
